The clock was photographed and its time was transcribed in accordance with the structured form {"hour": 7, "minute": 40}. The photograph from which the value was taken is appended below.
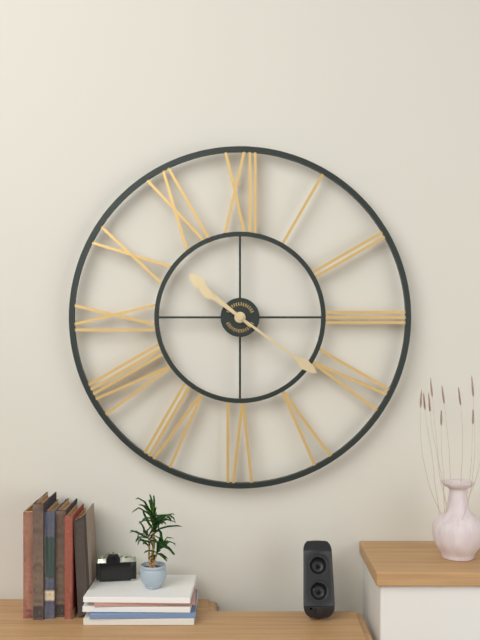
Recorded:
{"hour": 10, "minute": 21}
